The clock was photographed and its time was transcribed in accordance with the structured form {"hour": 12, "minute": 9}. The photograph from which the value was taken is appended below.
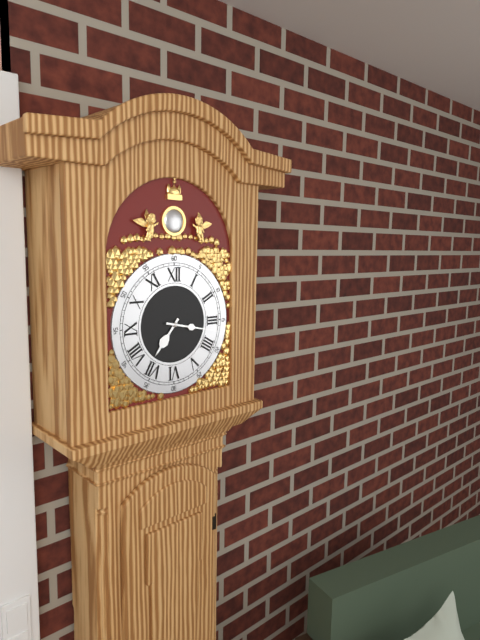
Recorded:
{"hour": 7, "minute": 17}
